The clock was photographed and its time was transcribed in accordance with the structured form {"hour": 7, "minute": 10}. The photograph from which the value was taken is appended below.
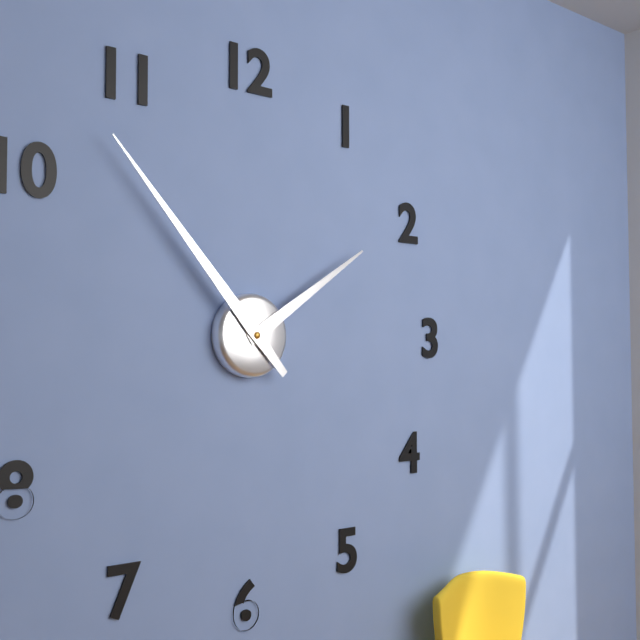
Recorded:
{"hour": 1, "minute": 53}
